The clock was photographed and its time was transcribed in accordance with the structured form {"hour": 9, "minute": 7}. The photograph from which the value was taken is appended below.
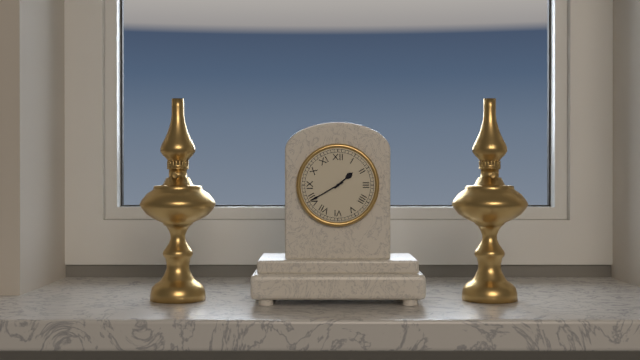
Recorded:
{"hour": 1, "minute": 40}
